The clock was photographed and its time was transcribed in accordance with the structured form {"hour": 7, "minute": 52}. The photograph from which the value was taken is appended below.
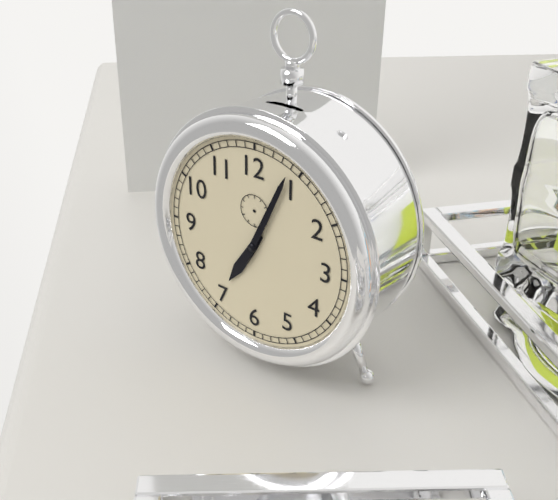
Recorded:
{"hour": 7, "minute": 4}
